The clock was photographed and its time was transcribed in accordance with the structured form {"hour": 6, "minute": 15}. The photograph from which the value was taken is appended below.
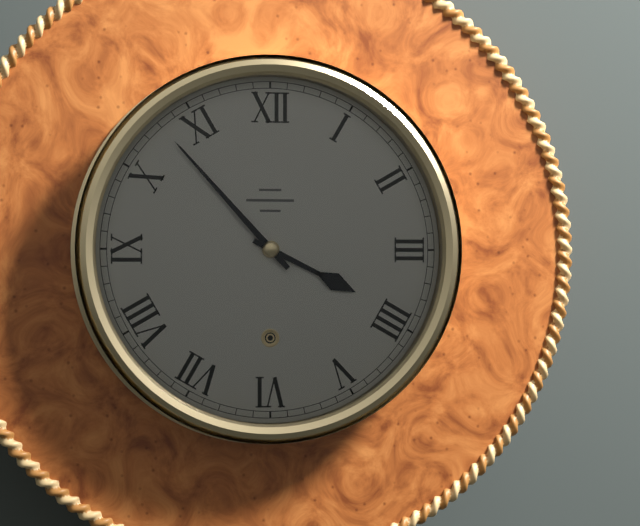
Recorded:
{"hour": 3, "minute": 53}
